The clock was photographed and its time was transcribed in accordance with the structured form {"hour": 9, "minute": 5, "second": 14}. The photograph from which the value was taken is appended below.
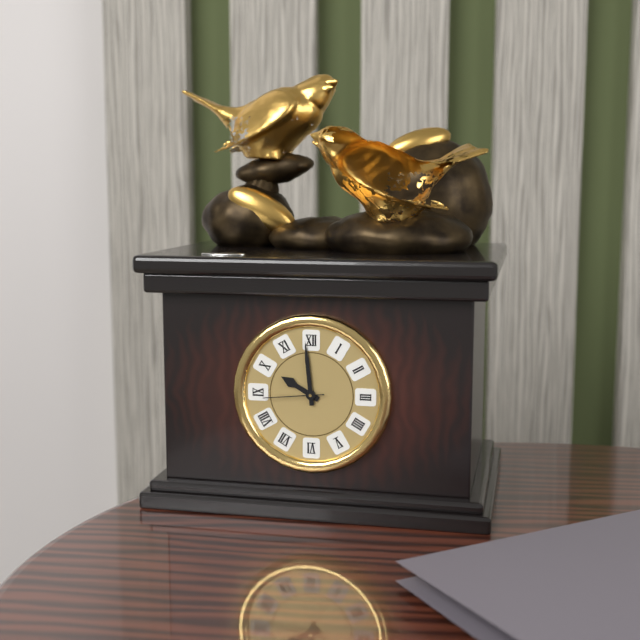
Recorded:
{"hour": 9, "minute": 59, "second": 44}
